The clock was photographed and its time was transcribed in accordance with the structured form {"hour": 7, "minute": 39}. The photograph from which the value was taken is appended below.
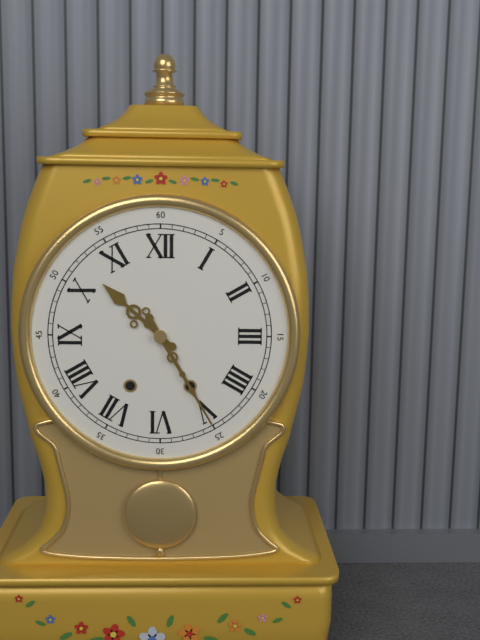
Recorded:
{"hour": 10, "minute": 25}
